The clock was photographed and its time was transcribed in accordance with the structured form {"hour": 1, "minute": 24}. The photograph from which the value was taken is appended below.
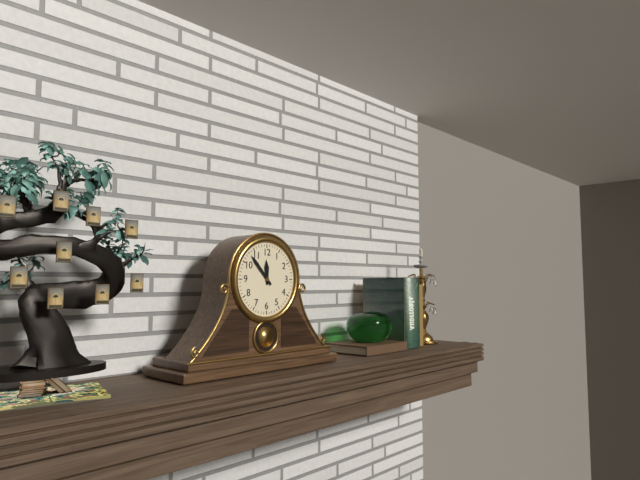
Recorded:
{"hour": 11, "minute": 53}
